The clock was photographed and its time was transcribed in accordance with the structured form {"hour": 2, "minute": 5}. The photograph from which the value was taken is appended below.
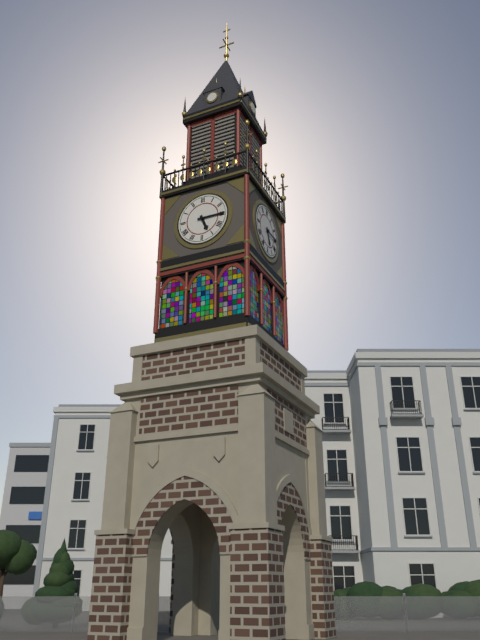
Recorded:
{"hour": 5, "minute": 15}
